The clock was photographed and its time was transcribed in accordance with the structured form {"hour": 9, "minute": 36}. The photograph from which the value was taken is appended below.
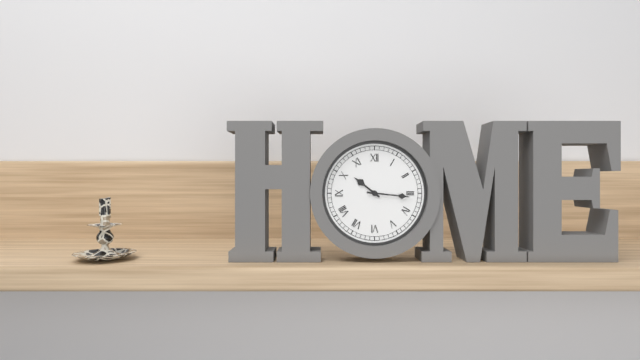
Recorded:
{"hour": 10, "minute": 16}
